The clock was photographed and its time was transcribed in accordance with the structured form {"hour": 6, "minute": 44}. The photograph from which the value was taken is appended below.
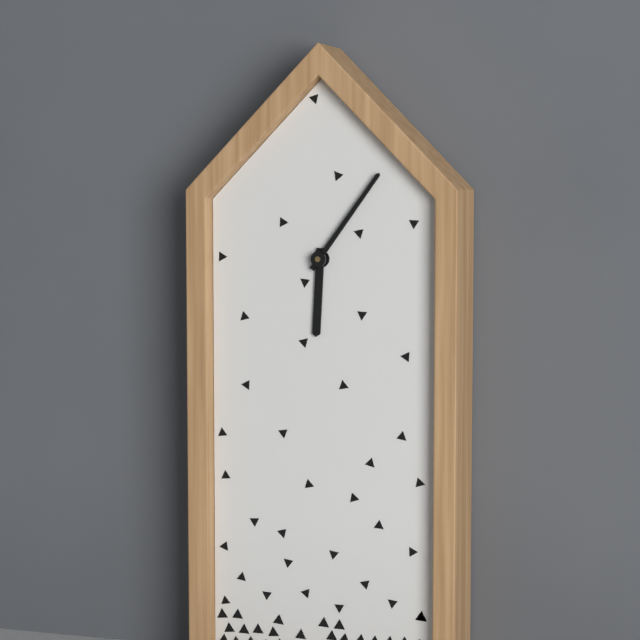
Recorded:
{"hour": 6, "minute": 6}
